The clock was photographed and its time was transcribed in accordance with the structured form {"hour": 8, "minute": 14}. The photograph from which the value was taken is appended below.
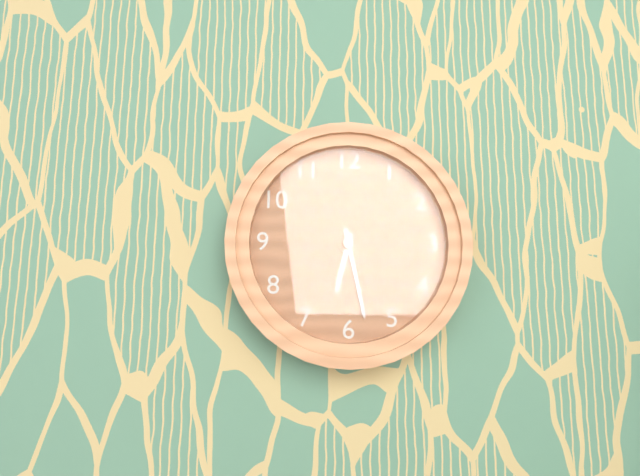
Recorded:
{"hour": 6, "minute": 28}
